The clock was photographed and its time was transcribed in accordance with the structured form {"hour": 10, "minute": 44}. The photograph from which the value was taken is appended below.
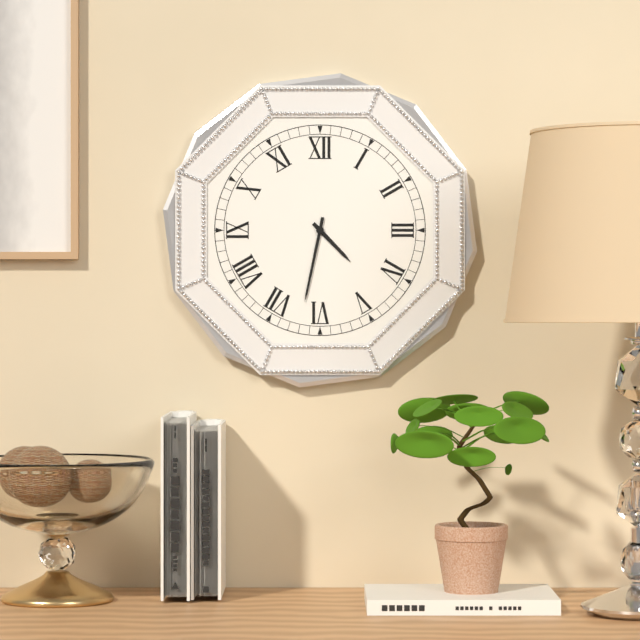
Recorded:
{"hour": 4, "minute": 32}
